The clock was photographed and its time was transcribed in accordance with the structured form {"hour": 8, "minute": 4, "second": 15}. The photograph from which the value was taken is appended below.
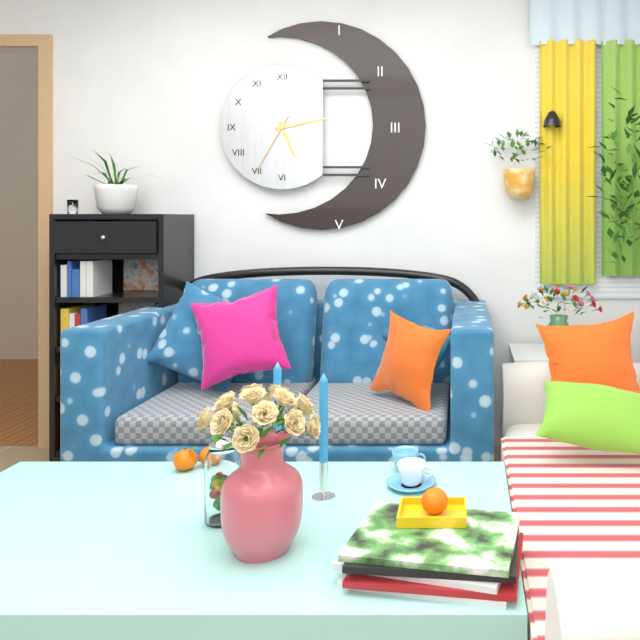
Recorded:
{"hour": 5, "minute": 13, "second": 35}
